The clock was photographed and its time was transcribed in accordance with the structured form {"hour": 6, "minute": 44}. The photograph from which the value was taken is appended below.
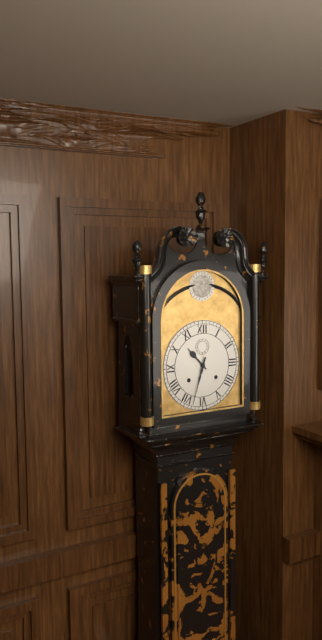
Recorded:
{"hour": 10, "minute": 33}
